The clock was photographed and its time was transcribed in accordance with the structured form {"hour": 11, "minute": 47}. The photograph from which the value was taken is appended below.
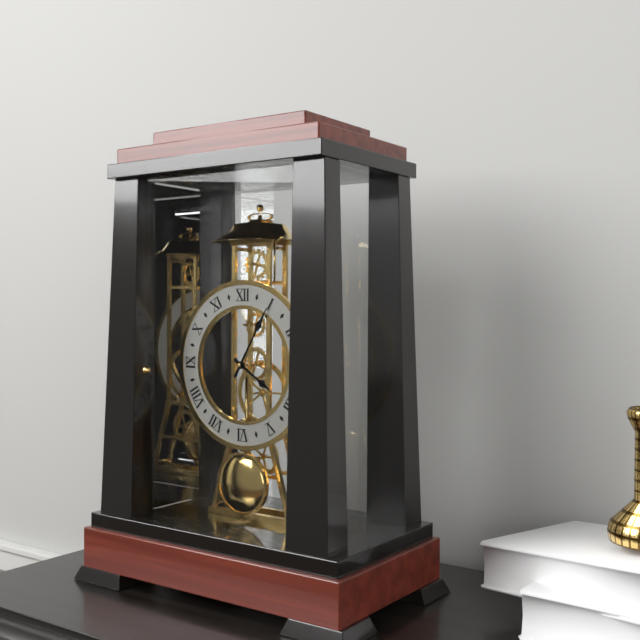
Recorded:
{"hour": 4, "minute": 5}
